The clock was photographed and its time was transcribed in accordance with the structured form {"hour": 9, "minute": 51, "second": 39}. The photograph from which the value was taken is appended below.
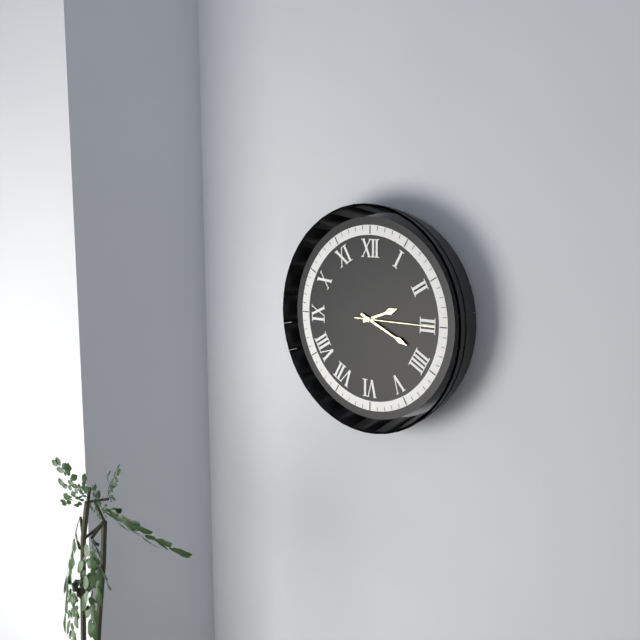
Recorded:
{"hour": 2, "minute": 19, "second": 15}
